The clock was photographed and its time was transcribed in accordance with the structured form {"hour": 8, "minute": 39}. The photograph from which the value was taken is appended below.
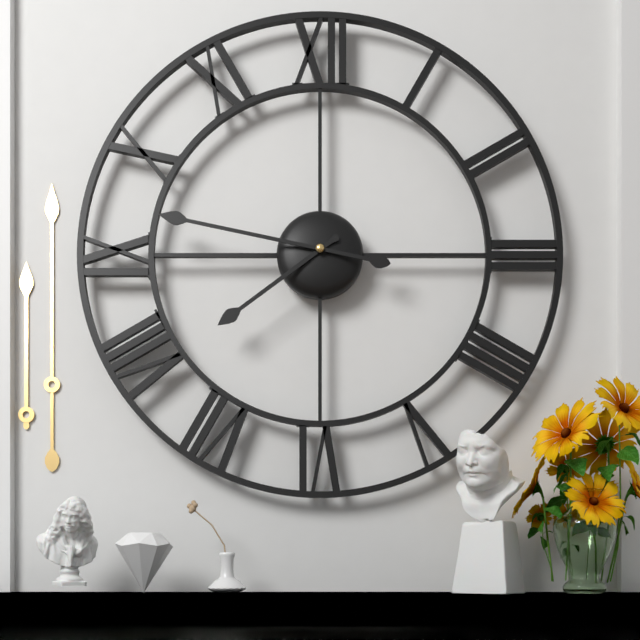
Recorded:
{"hour": 7, "minute": 47}
